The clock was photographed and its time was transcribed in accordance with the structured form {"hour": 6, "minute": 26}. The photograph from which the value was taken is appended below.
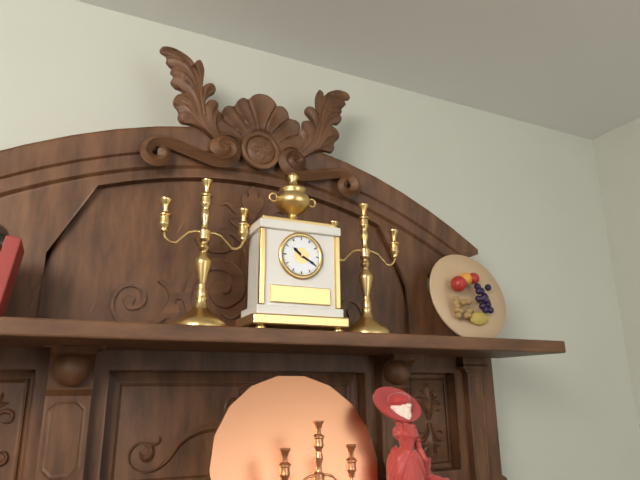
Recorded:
{"hour": 10, "minute": 20}
